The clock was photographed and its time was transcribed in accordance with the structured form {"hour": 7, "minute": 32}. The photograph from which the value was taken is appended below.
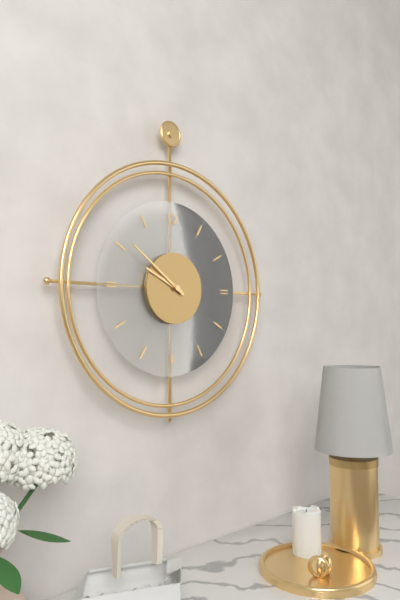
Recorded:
{"hour": 9, "minute": 51}
